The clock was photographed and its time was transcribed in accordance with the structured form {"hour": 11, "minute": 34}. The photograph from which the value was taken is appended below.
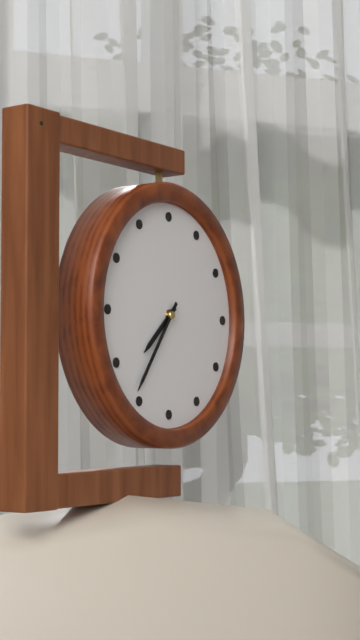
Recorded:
{"hour": 7, "minute": 36}
